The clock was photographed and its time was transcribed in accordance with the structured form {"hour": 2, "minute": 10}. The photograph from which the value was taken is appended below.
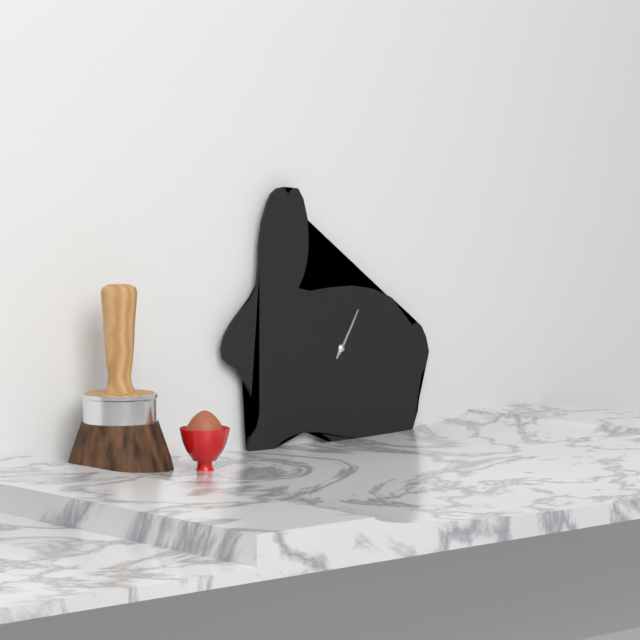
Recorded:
{"hour": 1, "minute": 5}
